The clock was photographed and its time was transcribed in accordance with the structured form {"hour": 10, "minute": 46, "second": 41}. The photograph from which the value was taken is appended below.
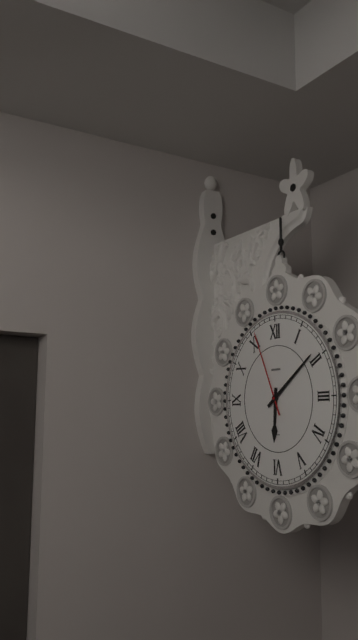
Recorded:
{"hour": 6, "minute": 9, "second": 56}
